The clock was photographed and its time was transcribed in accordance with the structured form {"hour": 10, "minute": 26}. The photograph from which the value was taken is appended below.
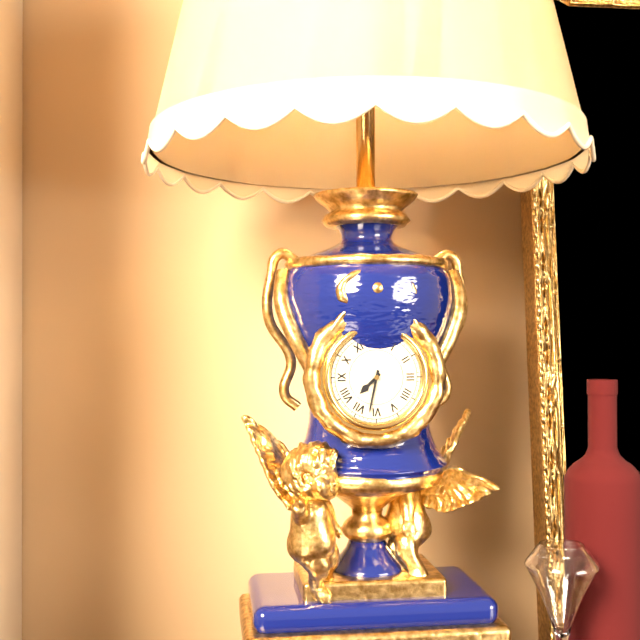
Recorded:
{"hour": 7, "minute": 32}
